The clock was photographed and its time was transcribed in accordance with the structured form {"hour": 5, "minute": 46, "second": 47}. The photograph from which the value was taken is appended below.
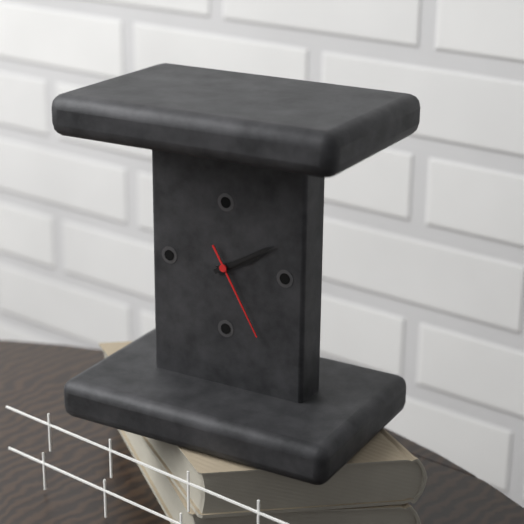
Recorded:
{"hour": 2, "minute": 10, "second": 25}
